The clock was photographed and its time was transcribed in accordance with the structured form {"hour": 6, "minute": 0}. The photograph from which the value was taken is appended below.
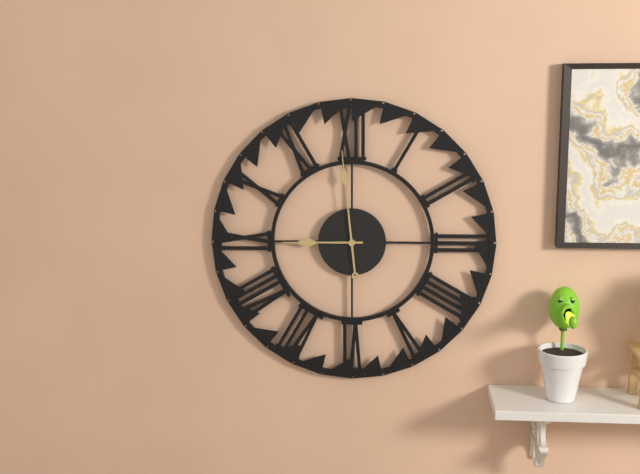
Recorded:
{"hour": 8, "minute": 59}
